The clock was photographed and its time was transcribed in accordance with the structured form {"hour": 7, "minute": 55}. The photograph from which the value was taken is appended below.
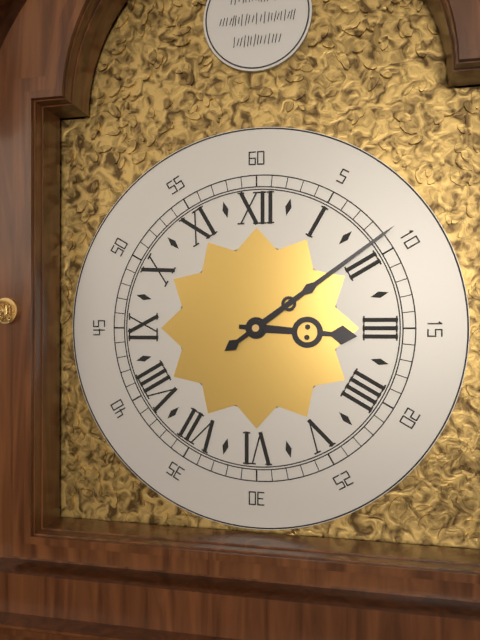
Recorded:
{"hour": 3, "minute": 9}
